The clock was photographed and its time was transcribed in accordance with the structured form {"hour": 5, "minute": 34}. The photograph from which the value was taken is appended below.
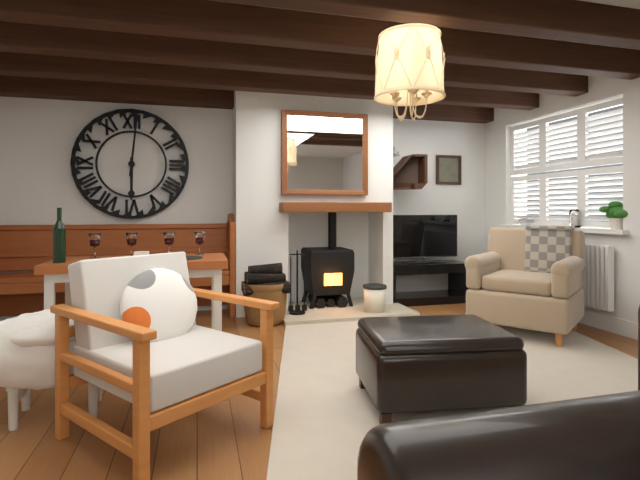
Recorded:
{"hour": 6, "minute": 1}
